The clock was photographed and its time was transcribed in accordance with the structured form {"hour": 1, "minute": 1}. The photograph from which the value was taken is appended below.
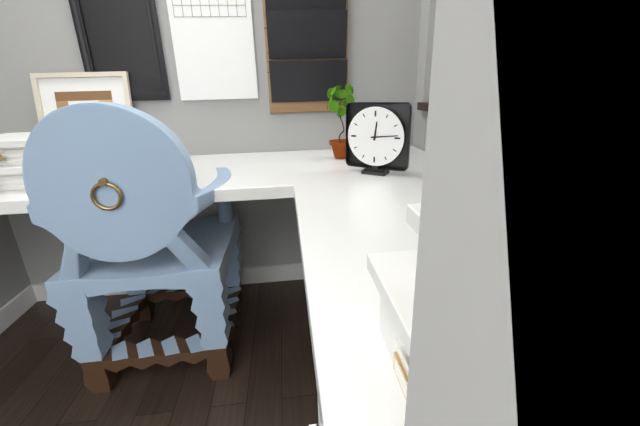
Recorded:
{"hour": 12, "minute": 14}
